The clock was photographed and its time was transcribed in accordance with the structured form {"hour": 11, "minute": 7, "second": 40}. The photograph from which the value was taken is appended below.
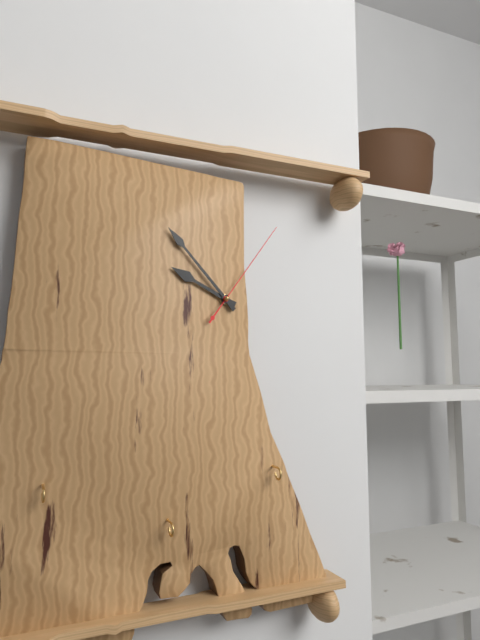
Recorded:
{"hour": 9, "minute": 53, "second": 6}
